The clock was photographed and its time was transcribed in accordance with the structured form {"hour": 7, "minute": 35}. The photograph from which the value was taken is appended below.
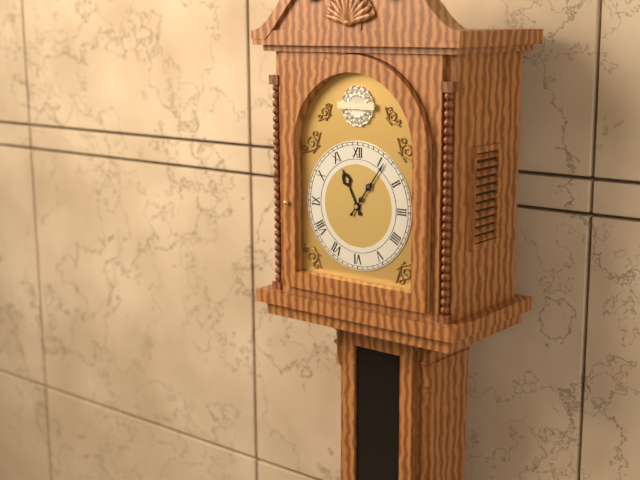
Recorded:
{"hour": 11, "minute": 6}
